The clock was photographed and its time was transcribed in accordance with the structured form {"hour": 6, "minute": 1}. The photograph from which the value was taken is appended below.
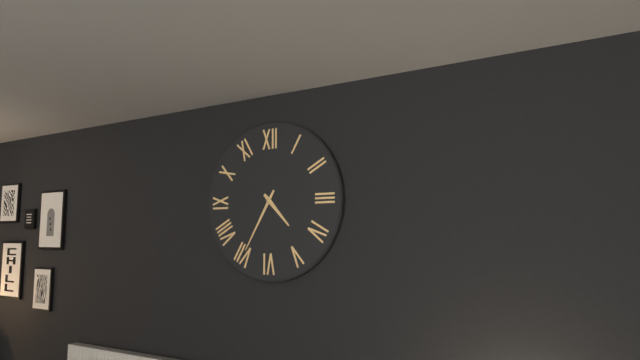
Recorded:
{"hour": 4, "minute": 35}
